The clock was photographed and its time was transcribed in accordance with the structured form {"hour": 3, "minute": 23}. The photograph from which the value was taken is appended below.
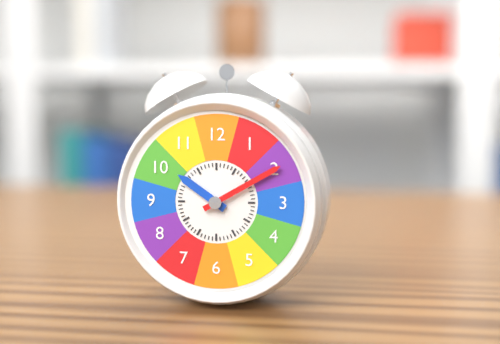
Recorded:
{"hour": 10, "minute": 10}
